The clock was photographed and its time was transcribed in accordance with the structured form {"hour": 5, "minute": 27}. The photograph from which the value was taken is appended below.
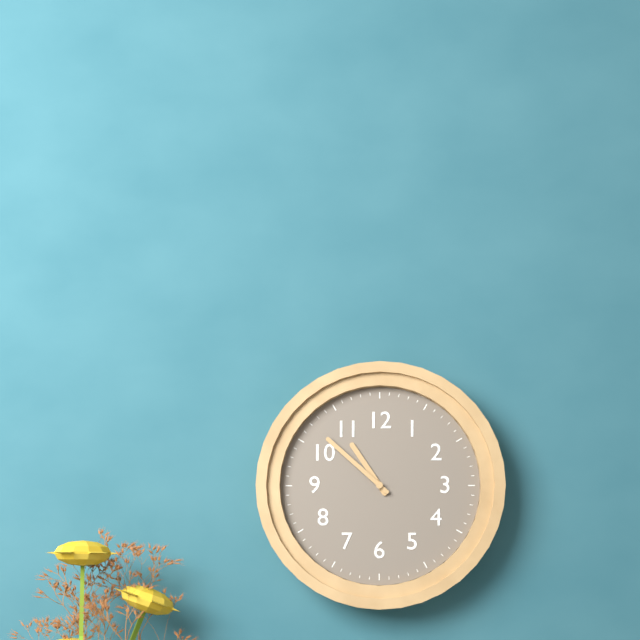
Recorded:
{"hour": 10, "minute": 52}
